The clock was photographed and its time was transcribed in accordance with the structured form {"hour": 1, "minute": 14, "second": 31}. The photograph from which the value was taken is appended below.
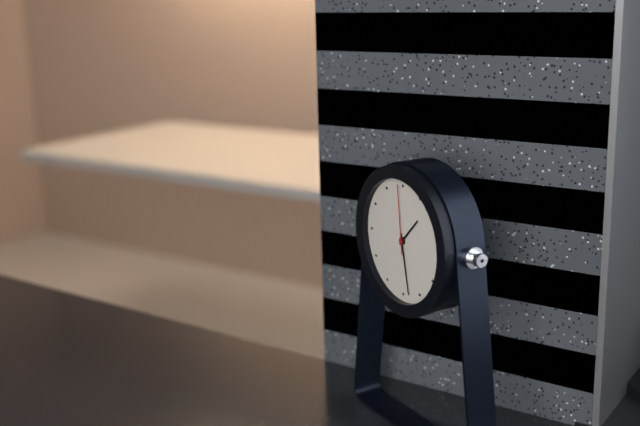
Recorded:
{"hour": 1, "minute": 28, "second": 59}
